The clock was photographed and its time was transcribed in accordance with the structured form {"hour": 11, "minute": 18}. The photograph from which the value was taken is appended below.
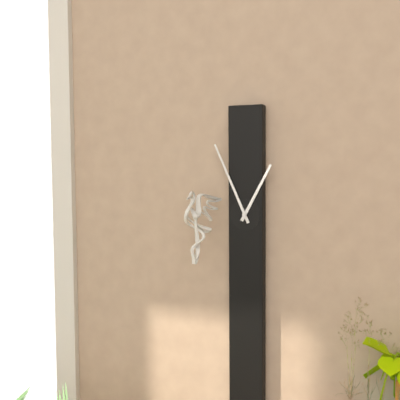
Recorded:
{"hour": 12, "minute": 56}
